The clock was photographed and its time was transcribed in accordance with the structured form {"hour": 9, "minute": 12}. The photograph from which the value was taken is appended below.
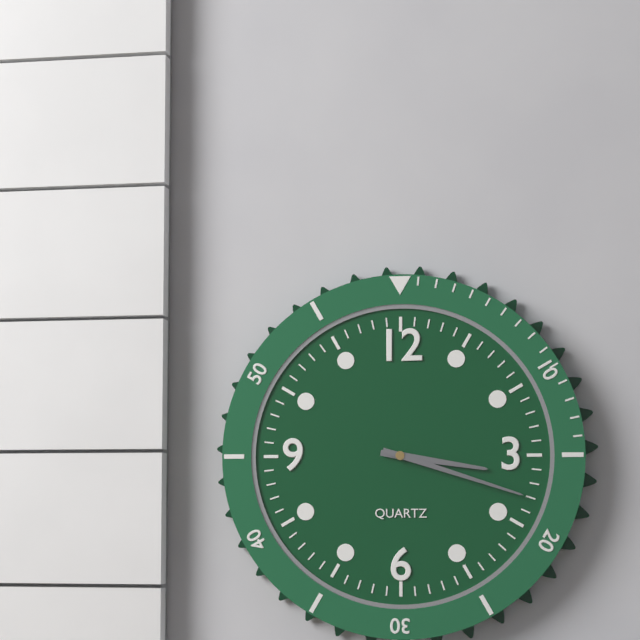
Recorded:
{"hour": 3, "minute": 18}
